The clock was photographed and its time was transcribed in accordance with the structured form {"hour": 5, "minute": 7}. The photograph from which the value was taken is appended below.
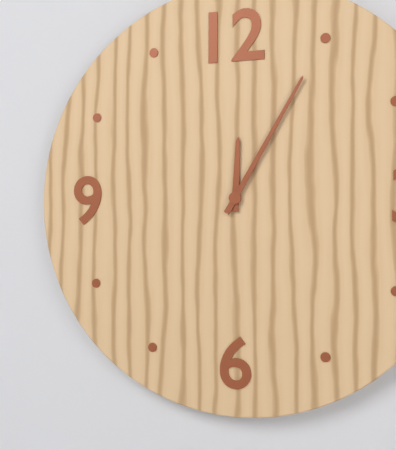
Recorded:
{"hour": 12, "minute": 5}
